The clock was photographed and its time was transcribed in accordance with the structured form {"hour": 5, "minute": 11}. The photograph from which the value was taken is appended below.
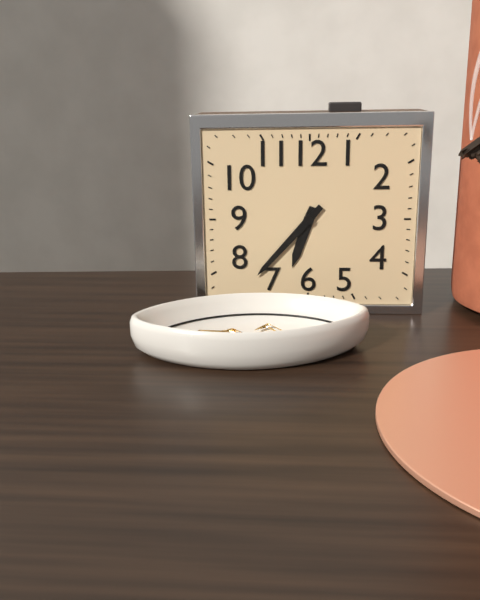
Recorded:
{"hour": 6, "minute": 37}
